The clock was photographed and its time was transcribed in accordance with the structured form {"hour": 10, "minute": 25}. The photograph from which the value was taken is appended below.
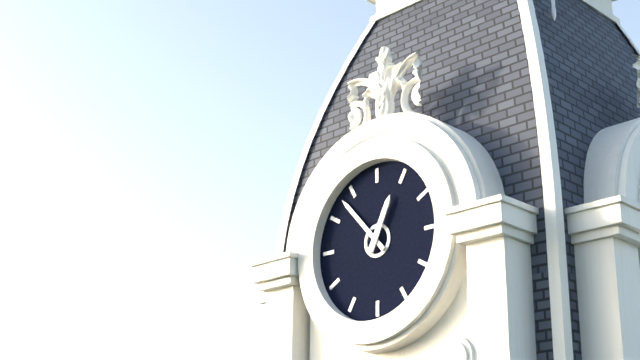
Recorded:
{"hour": 12, "minute": 53}
